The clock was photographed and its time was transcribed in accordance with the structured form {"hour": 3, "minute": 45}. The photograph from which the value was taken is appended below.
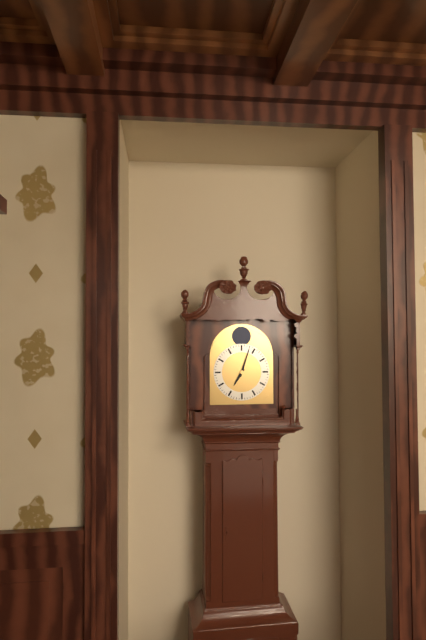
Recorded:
{"hour": 7, "minute": 3}
